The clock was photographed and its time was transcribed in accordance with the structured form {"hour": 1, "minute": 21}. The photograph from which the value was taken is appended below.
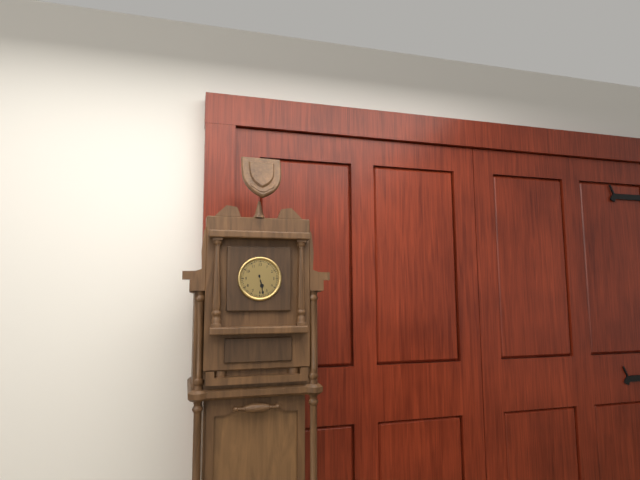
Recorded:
{"hour": 5, "minute": 28}
